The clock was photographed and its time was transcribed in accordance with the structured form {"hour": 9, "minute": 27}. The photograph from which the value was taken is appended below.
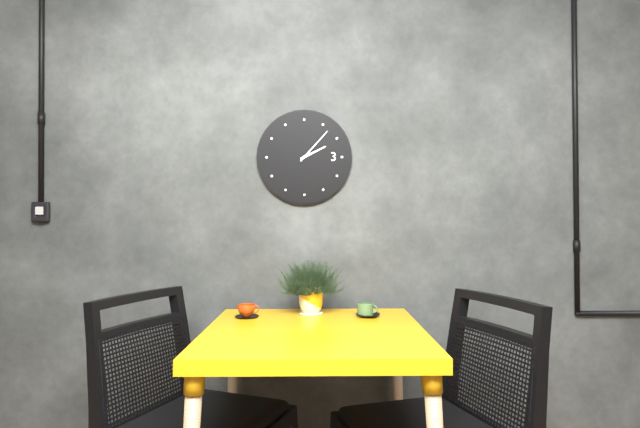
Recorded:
{"hour": 2, "minute": 7}
